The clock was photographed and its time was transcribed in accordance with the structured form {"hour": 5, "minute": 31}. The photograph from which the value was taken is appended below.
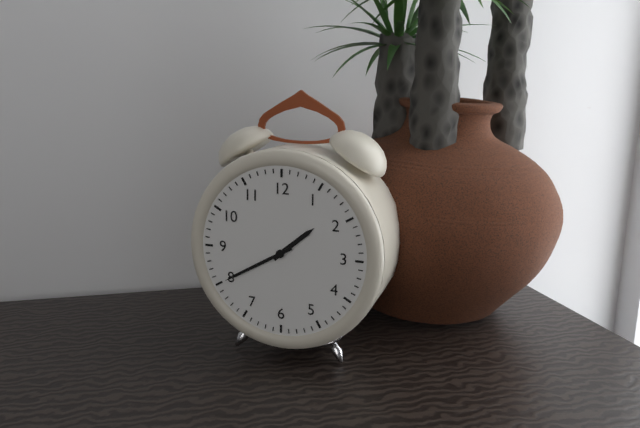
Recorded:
{"hour": 1, "minute": 40}
